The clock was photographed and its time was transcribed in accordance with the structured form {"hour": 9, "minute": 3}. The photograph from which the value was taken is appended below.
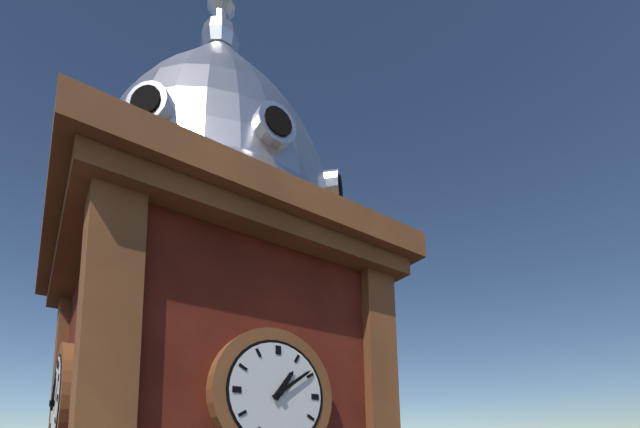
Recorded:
{"hour": 1, "minute": 9}
